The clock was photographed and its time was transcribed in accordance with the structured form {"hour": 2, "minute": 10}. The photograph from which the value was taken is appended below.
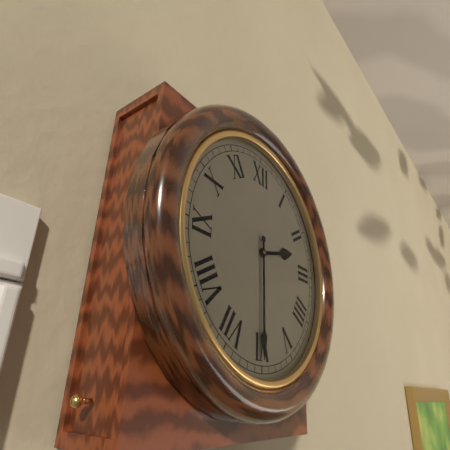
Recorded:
{"hour": 2, "minute": 30}
